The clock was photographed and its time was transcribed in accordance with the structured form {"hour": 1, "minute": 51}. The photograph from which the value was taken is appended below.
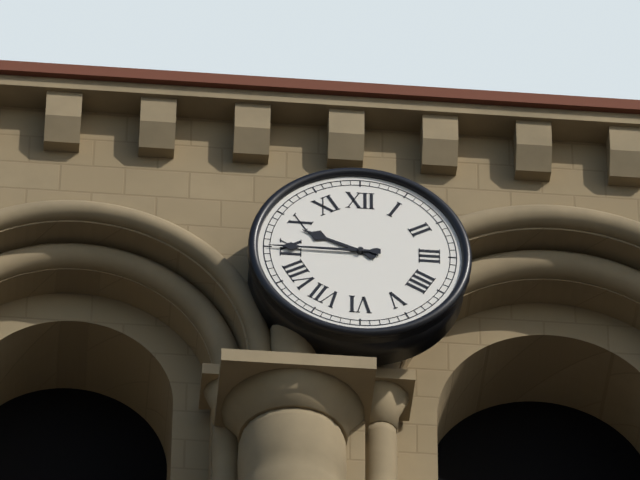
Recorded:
{"hour": 9, "minute": 45}
